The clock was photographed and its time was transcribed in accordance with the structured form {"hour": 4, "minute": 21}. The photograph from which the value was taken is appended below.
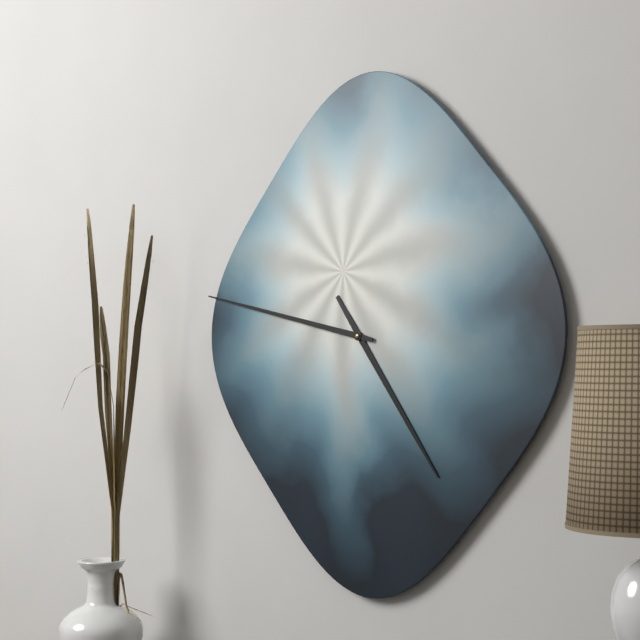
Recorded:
{"hour": 4, "minute": 47}
